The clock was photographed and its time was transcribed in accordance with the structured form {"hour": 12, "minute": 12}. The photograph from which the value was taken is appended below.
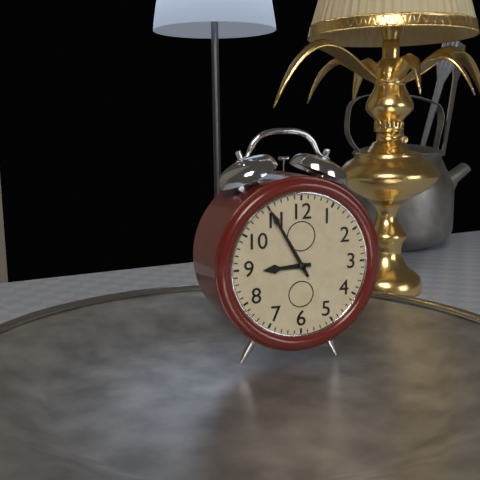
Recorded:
{"hour": 8, "minute": 55}
